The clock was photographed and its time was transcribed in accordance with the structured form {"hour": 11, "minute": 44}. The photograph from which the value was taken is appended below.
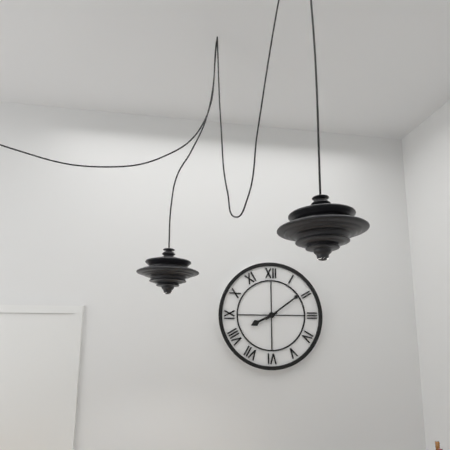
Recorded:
{"hour": 8, "minute": 9}
